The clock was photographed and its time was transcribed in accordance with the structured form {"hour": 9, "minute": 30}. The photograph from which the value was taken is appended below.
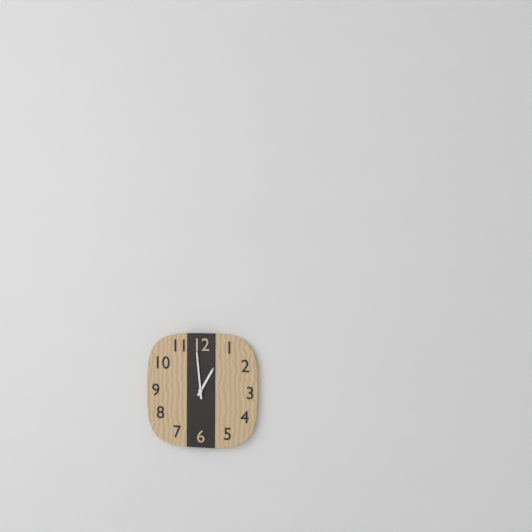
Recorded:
{"hour": 12, "minute": 59}
